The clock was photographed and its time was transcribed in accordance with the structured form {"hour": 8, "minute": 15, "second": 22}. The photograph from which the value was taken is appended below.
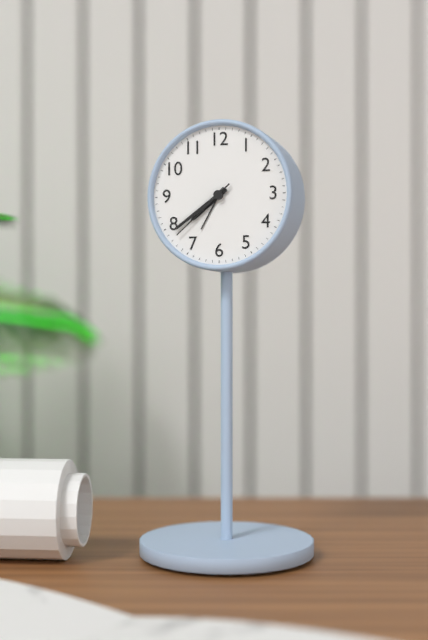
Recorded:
{"hour": 7, "minute": 39, "second": 38}
